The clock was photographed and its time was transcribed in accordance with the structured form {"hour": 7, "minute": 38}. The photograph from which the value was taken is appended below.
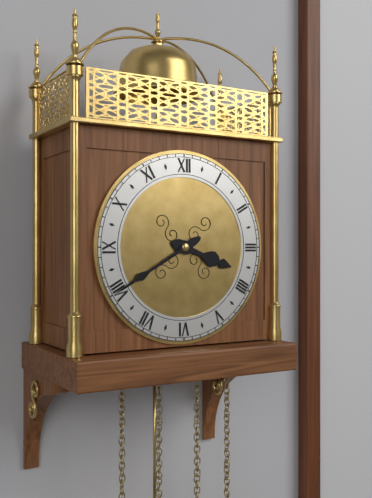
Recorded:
{"hour": 3, "minute": 40}
